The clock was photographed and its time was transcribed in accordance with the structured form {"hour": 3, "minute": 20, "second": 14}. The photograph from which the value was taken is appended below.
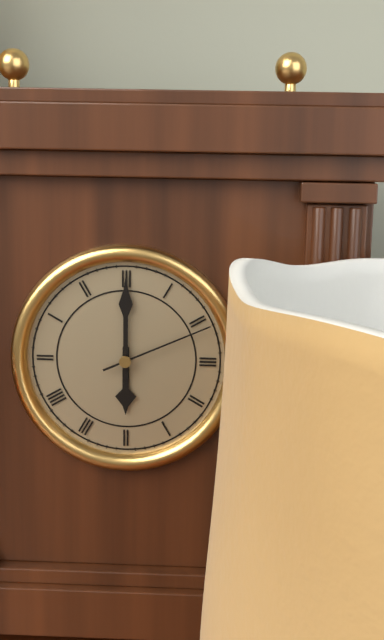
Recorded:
{"hour": 6, "minute": 0, "second": 11}
